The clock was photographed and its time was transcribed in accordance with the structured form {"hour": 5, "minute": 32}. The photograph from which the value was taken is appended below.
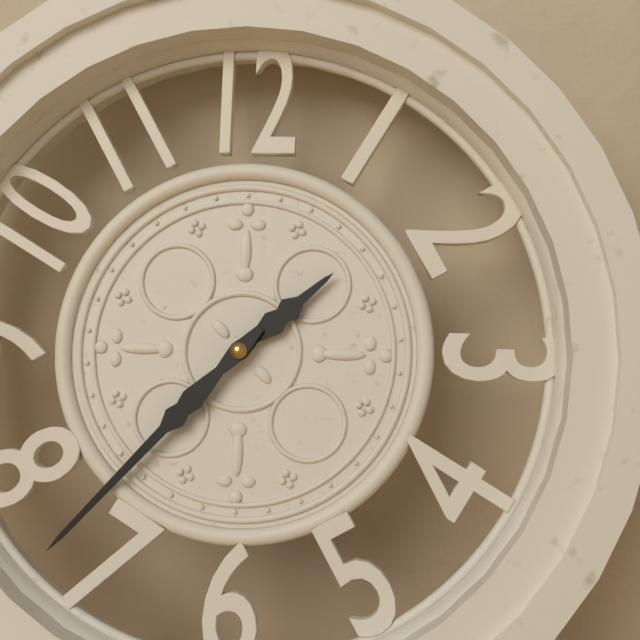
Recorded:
{"hour": 1, "minute": 37}
